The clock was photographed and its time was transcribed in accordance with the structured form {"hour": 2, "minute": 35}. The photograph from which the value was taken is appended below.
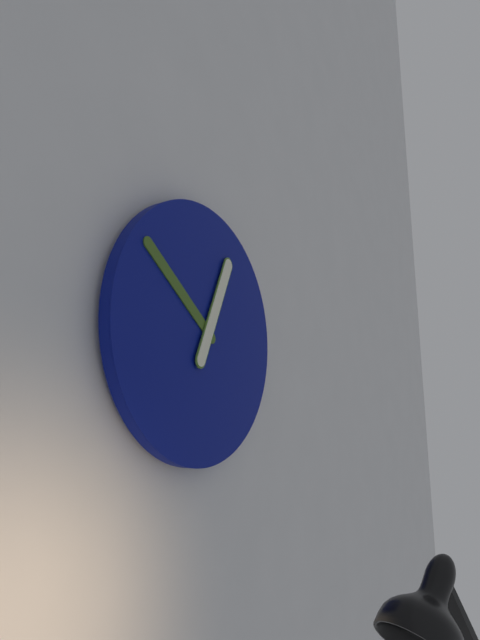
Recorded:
{"hour": 12, "minute": 51}
